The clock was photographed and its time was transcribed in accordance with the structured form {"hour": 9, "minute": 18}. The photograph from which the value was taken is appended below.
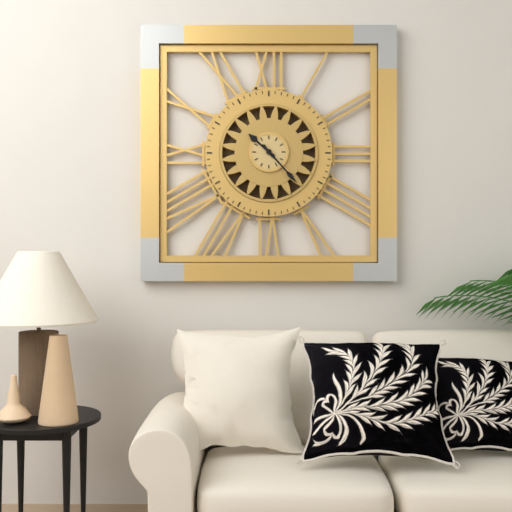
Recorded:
{"hour": 10, "minute": 23}
